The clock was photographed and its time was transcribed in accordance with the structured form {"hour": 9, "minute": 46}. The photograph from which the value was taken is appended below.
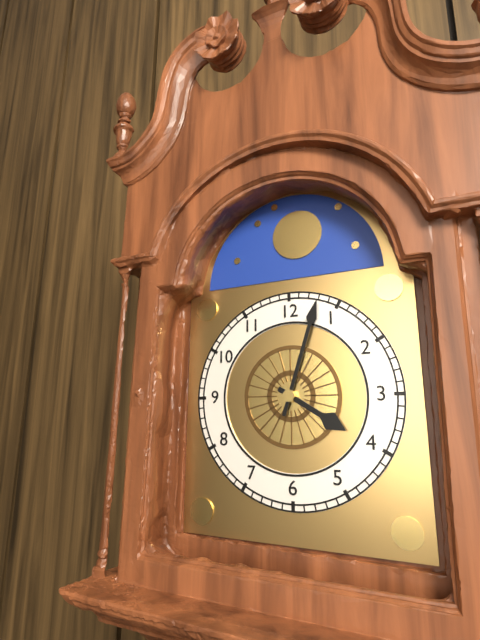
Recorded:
{"hour": 4, "minute": 3}
